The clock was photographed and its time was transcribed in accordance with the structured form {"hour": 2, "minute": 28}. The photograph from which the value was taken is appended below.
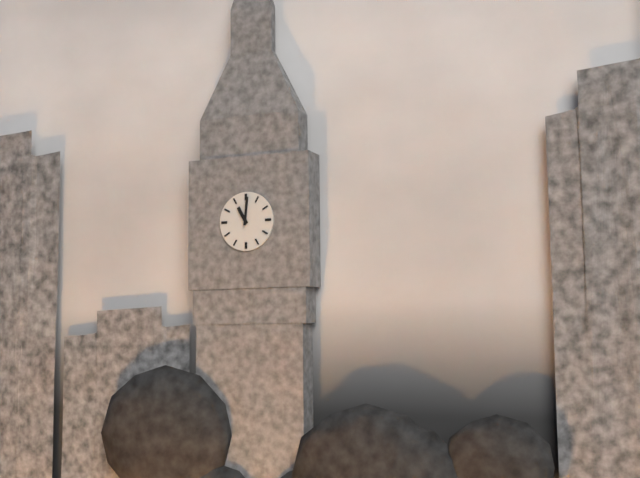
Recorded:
{"hour": 11, "minute": 1}
